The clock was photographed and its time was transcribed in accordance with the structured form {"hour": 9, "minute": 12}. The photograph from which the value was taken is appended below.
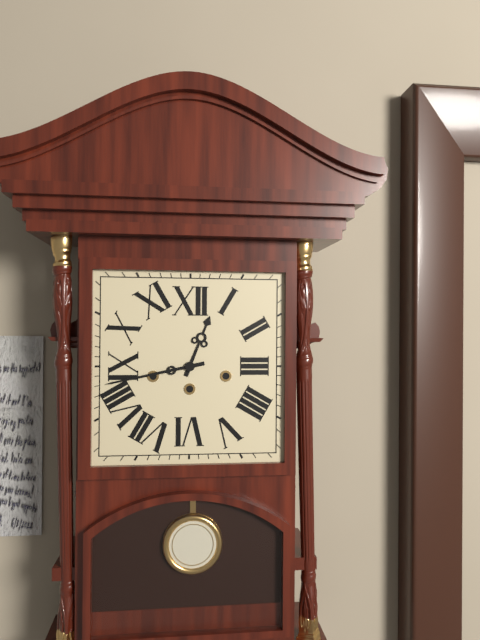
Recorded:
{"hour": 12, "minute": 43}
